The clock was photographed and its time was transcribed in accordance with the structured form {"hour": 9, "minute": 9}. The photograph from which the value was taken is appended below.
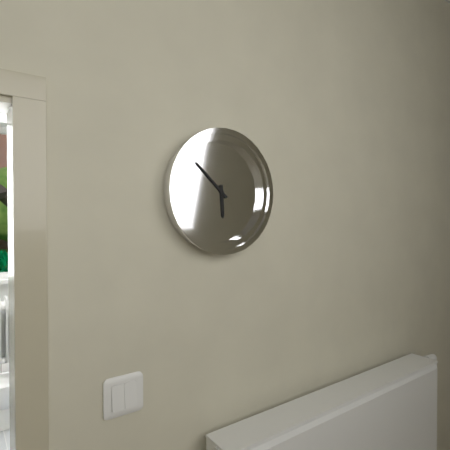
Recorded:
{"hour": 5, "minute": 52}
